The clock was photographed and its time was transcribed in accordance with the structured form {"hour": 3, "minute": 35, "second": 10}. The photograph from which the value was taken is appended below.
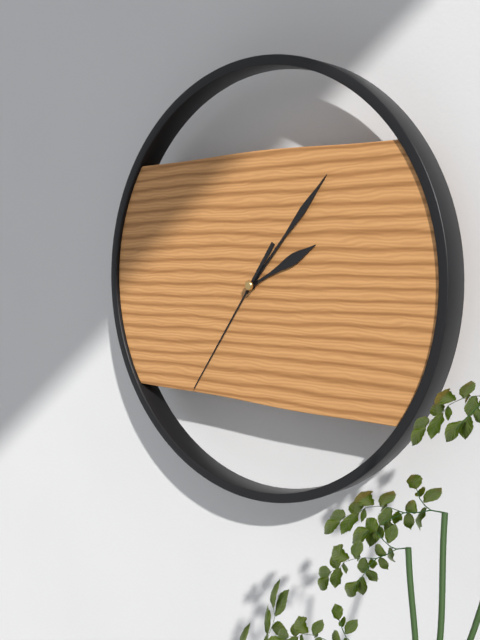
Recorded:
{"hour": 2, "minute": 7, "second": 36}
